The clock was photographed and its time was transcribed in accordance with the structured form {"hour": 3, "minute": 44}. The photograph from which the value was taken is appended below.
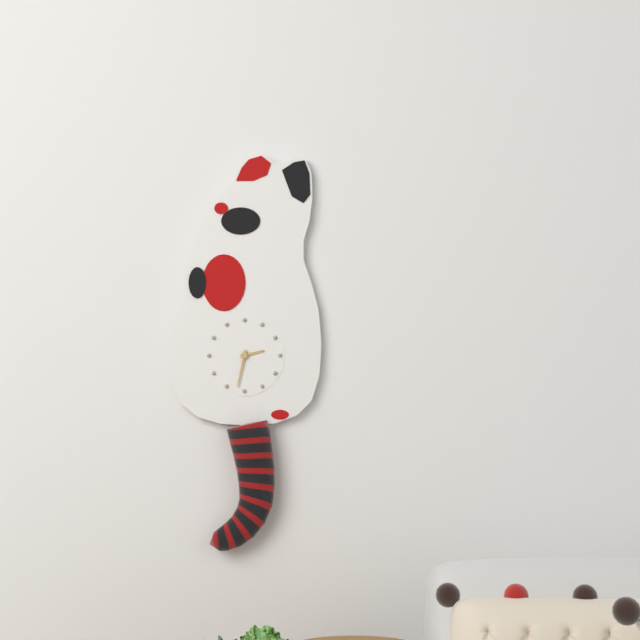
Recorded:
{"hour": 2, "minute": 32}
